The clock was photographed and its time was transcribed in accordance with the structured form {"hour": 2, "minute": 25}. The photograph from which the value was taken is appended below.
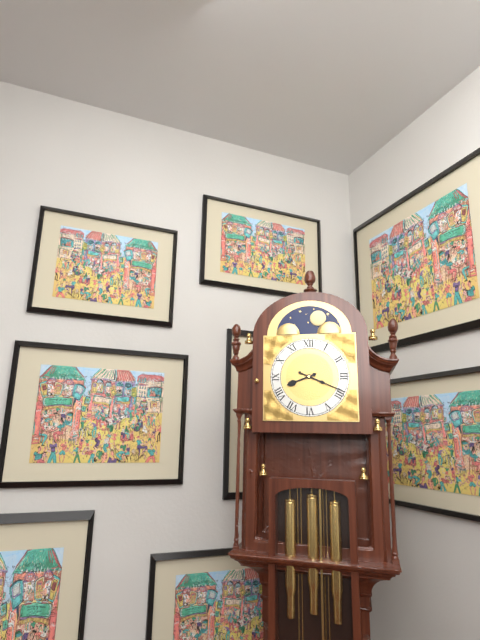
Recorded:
{"hour": 8, "minute": 19}
